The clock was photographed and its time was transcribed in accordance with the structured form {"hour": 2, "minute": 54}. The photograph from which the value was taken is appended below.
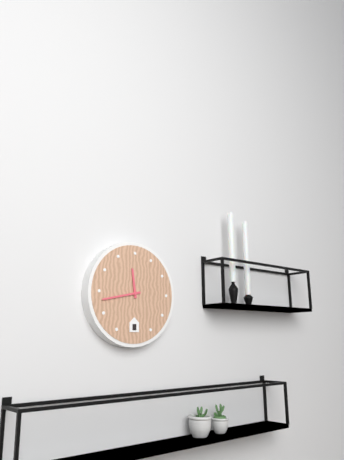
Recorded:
{"hour": 11, "minute": 43}
